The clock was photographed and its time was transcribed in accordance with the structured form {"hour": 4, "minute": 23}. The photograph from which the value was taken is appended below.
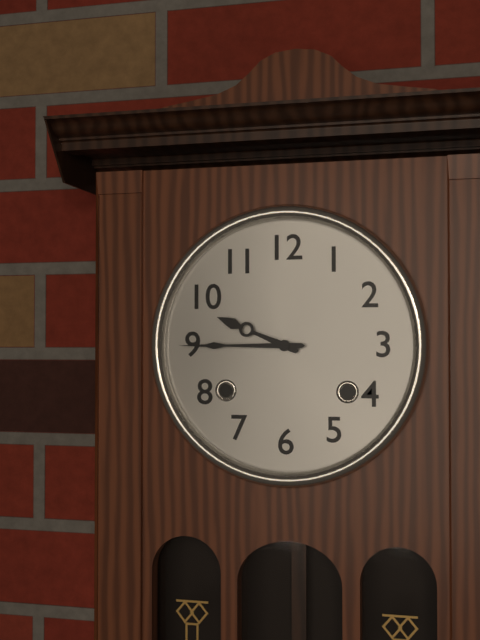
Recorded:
{"hour": 9, "minute": 45}
